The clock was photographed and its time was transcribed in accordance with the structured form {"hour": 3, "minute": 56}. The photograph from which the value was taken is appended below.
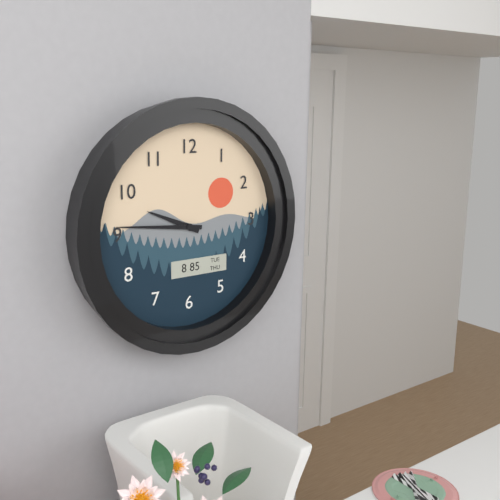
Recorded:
{"hour": 9, "minute": 46}
